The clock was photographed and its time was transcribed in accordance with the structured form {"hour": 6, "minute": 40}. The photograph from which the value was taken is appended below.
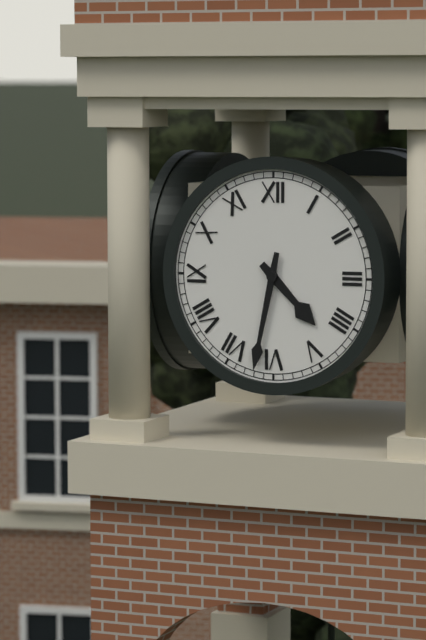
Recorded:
{"hour": 4, "minute": 32}
